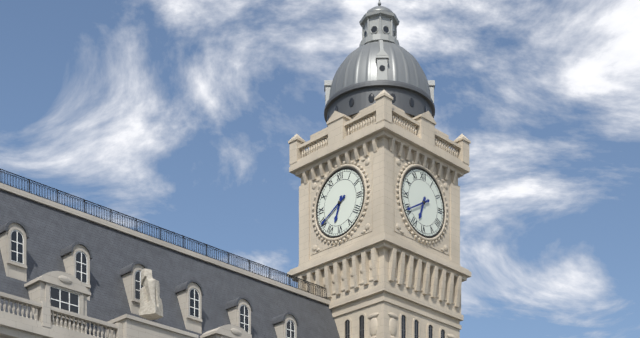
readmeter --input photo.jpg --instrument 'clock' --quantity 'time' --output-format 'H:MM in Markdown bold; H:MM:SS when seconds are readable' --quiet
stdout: **6:40**
